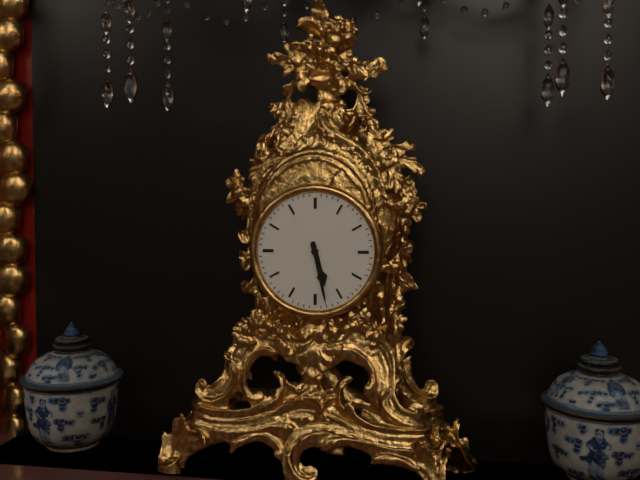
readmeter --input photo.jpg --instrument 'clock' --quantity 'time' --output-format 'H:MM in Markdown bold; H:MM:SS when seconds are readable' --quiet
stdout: **5:28**
